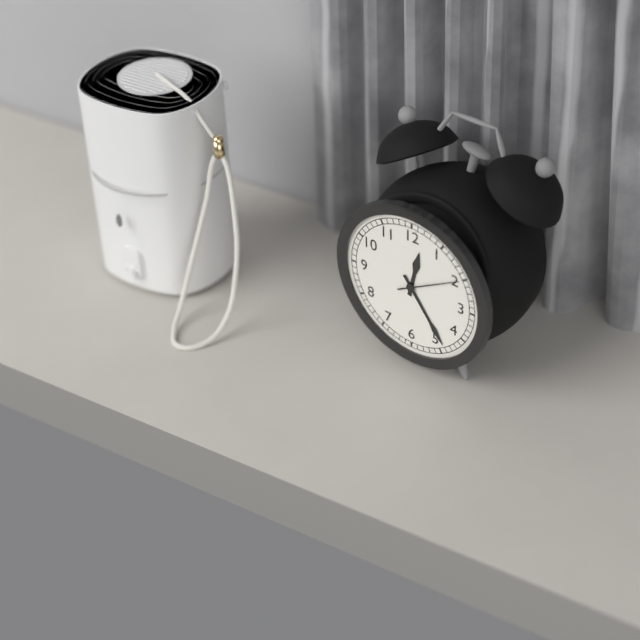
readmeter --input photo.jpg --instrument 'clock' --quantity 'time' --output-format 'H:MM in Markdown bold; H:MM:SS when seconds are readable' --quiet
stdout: **12:24:10**
